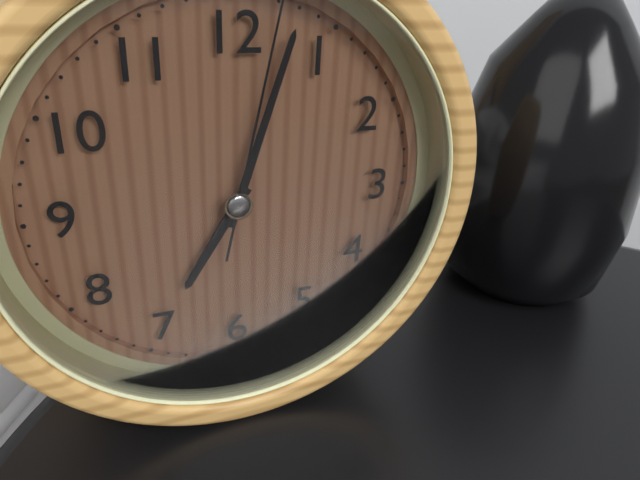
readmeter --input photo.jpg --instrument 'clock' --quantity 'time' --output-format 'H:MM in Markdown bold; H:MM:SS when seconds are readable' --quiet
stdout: **7:03**
